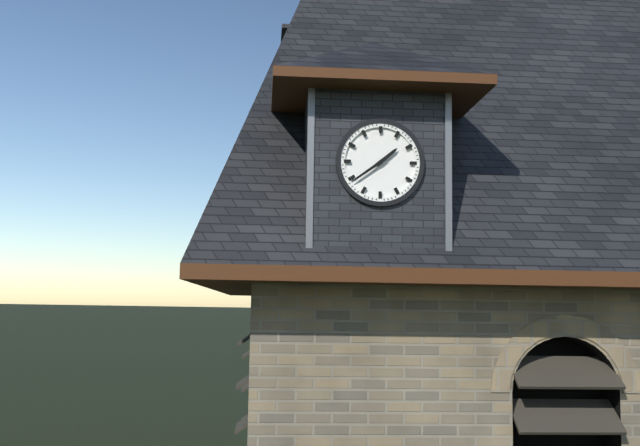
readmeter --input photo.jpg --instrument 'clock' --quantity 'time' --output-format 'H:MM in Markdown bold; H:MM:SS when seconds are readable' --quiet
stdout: **1:39**
